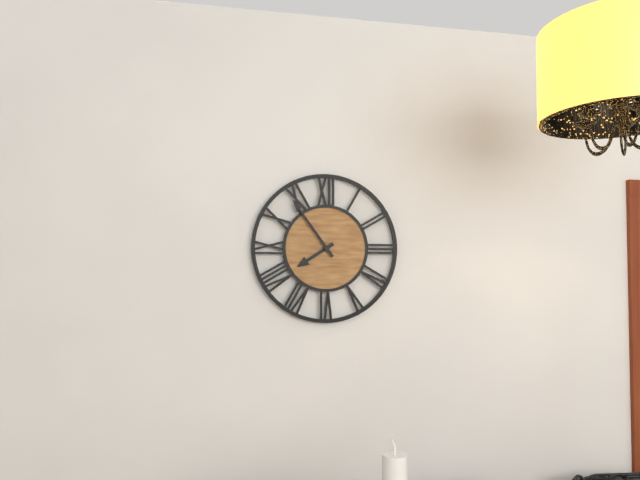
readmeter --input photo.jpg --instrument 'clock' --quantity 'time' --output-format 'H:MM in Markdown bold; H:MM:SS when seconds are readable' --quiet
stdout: **7:54**
